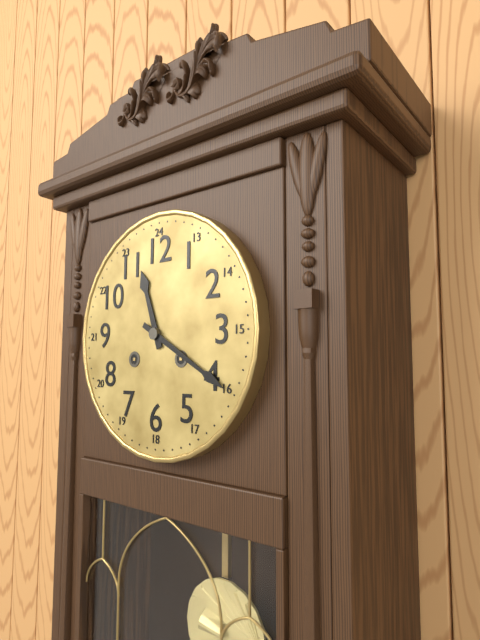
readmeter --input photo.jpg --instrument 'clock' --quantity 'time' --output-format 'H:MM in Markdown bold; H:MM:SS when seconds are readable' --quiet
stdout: **11:20**
